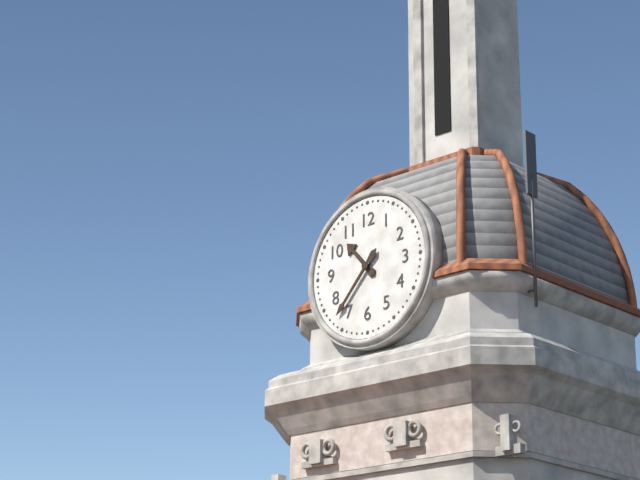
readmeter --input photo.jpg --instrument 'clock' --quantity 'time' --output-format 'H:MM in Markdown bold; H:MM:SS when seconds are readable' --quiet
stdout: **10:37**
